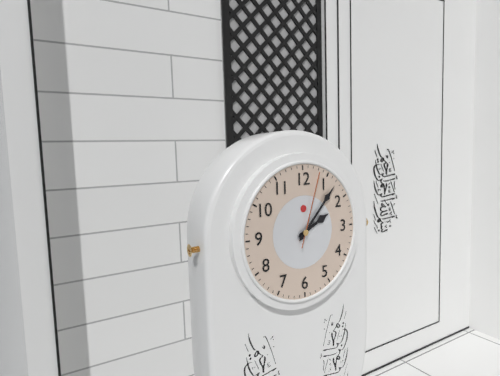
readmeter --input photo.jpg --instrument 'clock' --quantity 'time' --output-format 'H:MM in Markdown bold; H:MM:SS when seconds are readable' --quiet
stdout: **2:07:03**
